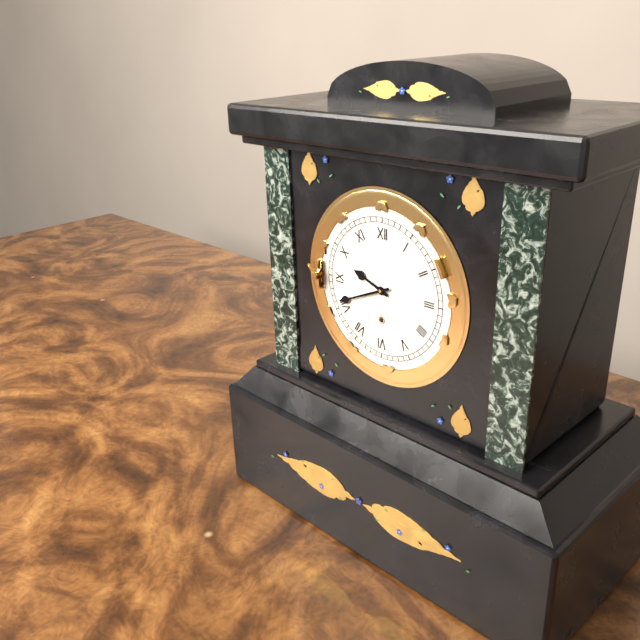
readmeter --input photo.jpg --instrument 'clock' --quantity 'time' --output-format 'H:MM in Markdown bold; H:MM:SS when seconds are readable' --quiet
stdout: **9:41**
